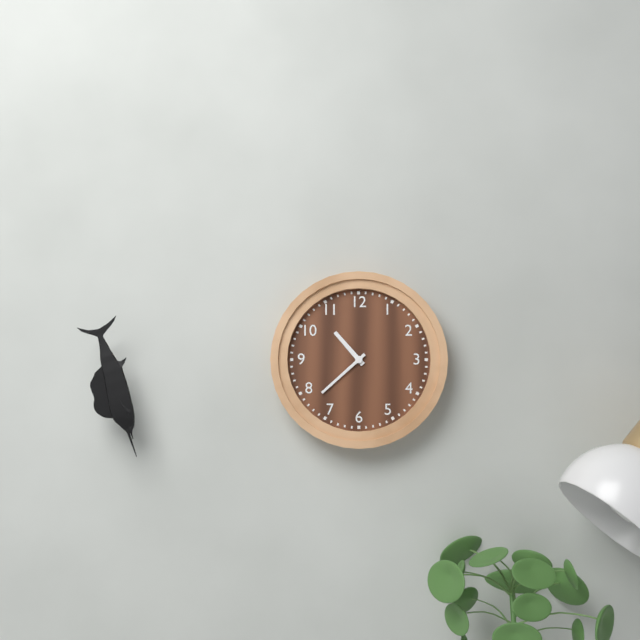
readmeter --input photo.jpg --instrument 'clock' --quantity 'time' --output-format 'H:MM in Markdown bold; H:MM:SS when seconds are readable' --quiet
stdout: **10:38**
